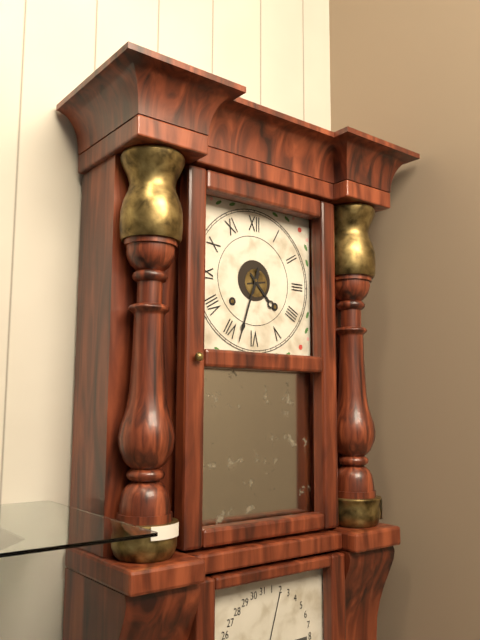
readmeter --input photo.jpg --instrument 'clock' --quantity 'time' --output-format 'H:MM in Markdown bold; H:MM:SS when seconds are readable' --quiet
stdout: **4:33**
